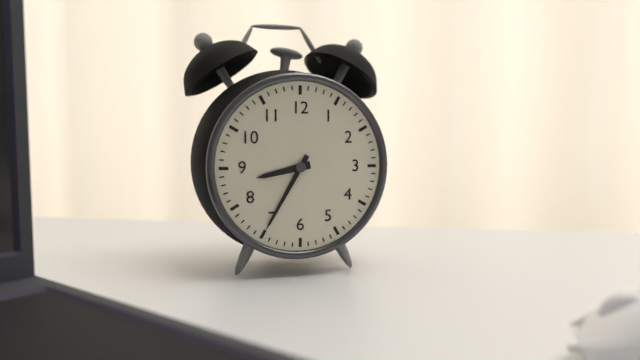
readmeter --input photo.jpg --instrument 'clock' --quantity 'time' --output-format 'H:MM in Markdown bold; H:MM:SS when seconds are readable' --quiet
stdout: **8:35**
